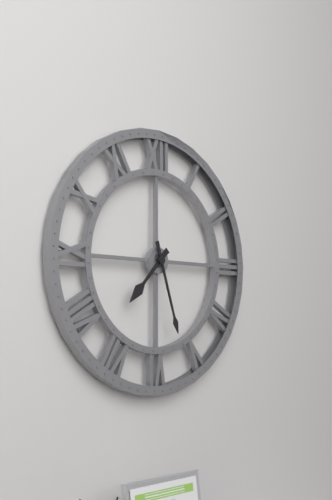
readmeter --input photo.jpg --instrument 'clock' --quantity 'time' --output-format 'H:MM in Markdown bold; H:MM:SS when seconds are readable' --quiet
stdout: **7:27**
